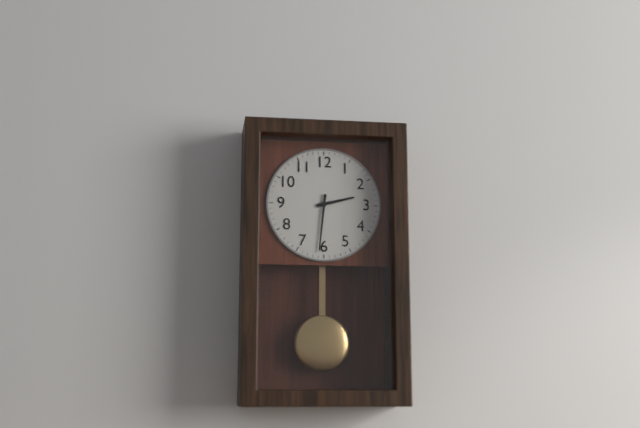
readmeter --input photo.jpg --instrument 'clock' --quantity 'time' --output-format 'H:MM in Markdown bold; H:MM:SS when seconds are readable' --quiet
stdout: **2:31**
